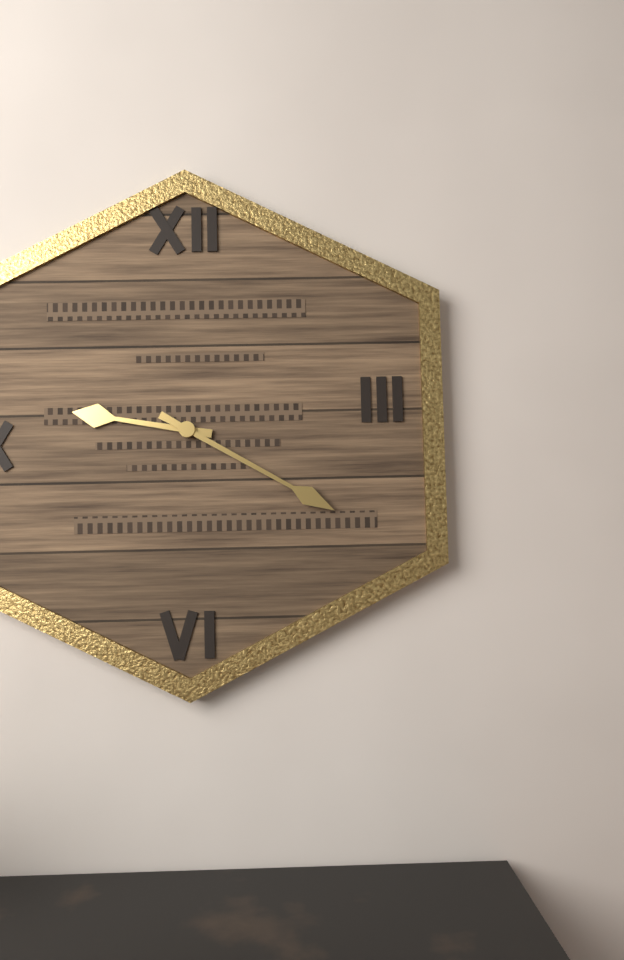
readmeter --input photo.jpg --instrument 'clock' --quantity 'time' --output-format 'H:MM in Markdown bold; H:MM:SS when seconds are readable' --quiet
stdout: **9:20**
